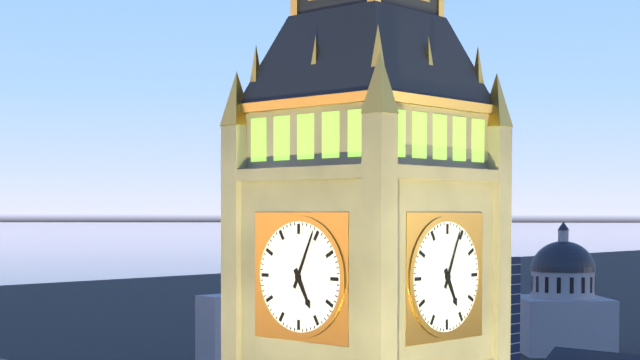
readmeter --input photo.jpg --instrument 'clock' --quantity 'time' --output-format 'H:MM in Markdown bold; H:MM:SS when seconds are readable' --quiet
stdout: **5:04**
